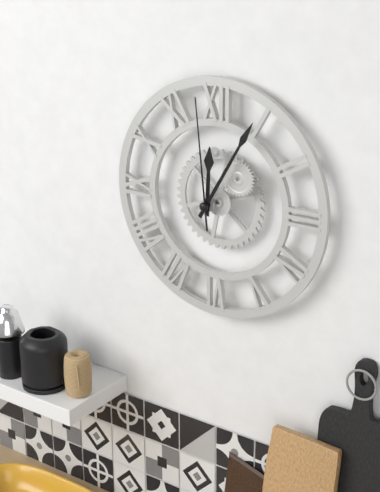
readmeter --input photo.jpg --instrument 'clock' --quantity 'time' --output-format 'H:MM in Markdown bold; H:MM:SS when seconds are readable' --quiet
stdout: **12:05:59**
